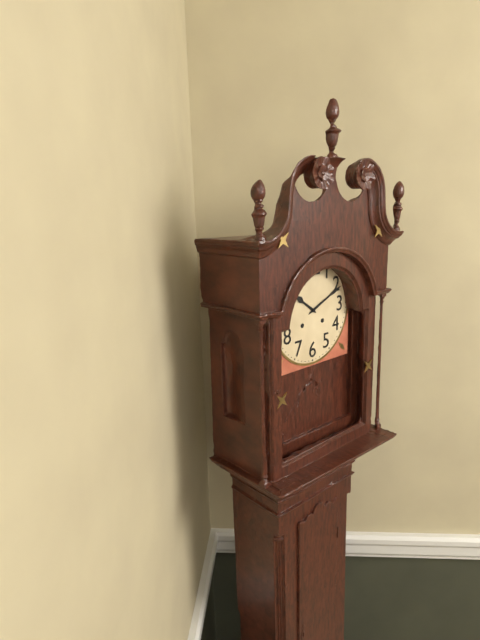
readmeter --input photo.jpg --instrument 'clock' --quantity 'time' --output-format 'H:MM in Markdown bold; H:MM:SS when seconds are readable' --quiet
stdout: **10:11**
